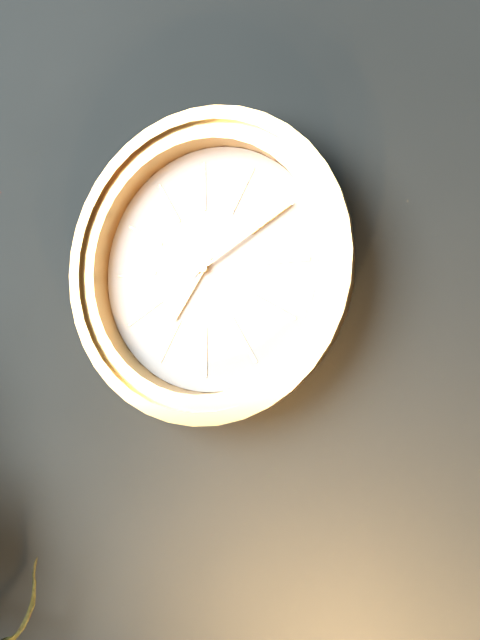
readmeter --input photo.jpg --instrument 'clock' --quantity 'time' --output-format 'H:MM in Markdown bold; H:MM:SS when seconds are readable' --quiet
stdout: **7:10**
